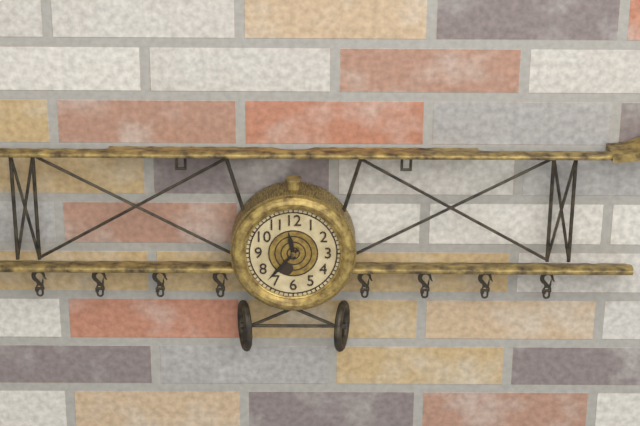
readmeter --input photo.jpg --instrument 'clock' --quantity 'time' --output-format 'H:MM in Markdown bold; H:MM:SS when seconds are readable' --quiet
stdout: **11:37**
